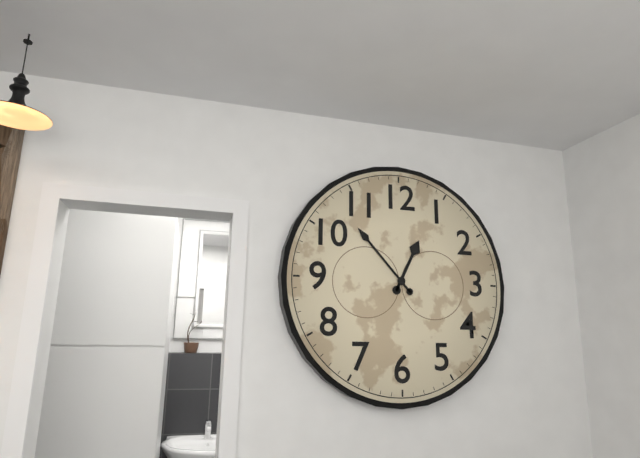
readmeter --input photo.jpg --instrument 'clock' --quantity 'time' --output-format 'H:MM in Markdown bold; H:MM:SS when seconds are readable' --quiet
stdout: **12:53**
